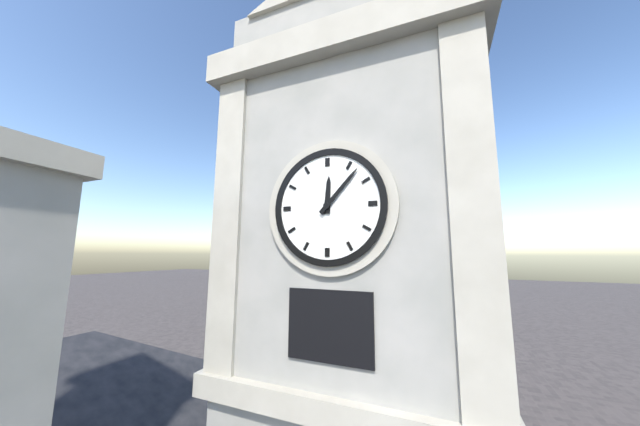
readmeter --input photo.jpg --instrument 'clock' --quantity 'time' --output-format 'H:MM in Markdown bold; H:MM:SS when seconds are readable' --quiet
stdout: **12:07**
